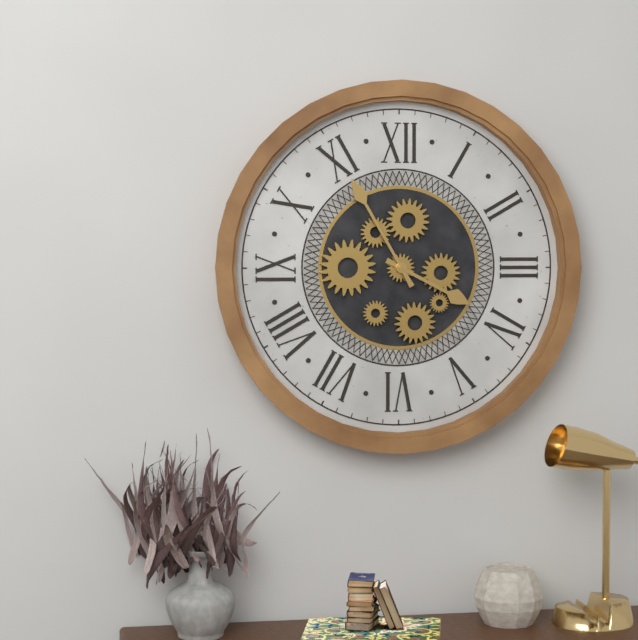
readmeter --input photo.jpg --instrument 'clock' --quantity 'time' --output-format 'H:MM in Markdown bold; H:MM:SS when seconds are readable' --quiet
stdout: **3:55**
